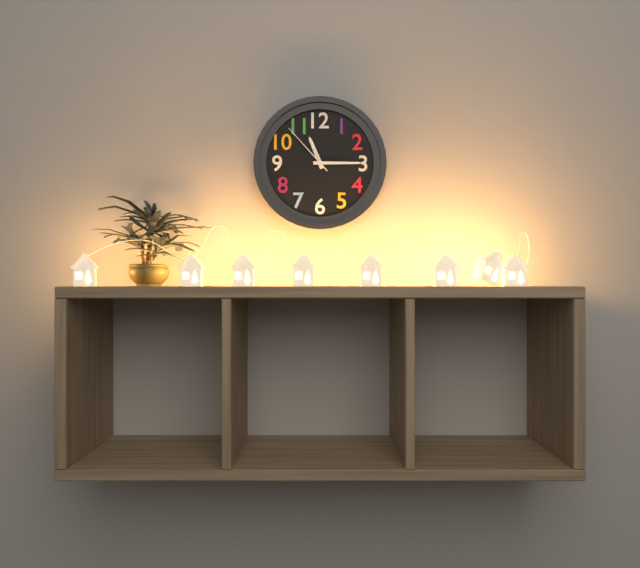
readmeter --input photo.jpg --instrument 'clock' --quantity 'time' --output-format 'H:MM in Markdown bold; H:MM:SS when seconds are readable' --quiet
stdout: **11:15:53**
